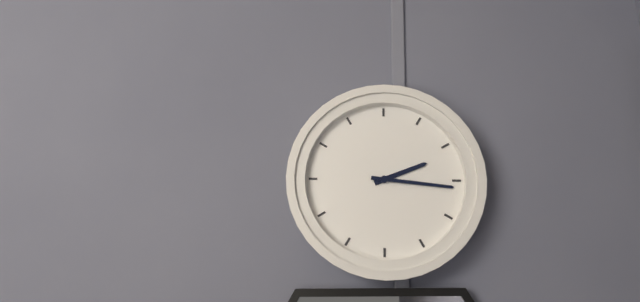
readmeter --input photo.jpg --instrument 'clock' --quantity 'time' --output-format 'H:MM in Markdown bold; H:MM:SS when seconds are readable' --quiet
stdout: **2:16**
